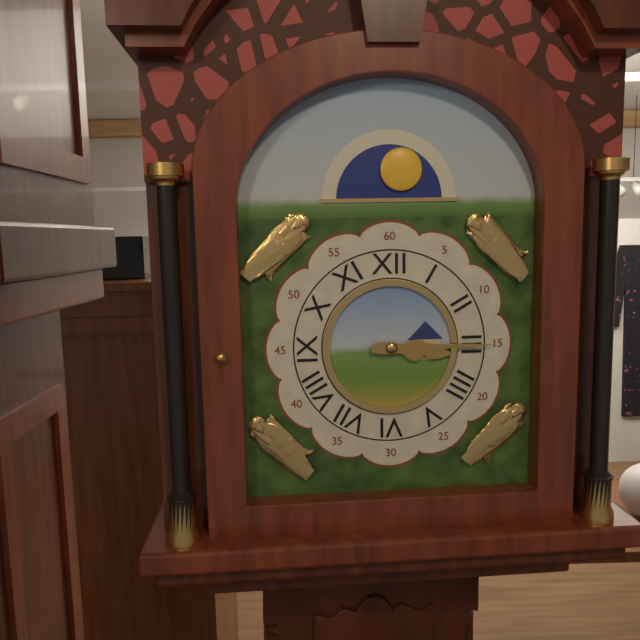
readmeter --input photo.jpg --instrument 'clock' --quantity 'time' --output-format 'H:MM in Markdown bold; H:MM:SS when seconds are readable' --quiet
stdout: **3:15**
